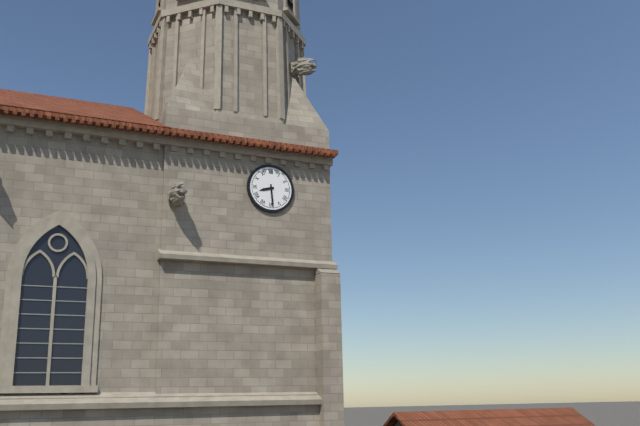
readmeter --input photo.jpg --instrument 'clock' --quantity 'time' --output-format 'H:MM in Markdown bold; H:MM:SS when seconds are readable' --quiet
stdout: **8:29**
